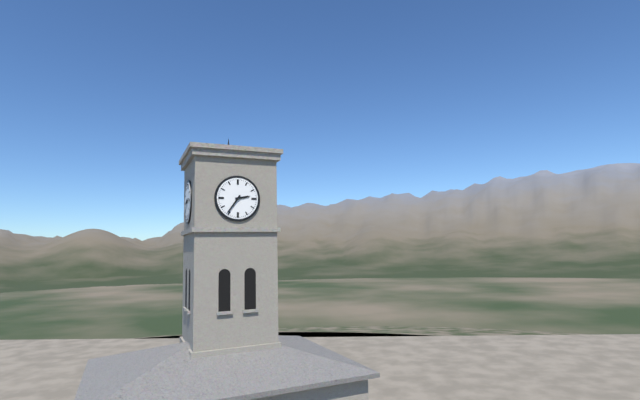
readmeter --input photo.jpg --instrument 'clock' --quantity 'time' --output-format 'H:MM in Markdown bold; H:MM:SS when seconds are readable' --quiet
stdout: **2:36**
